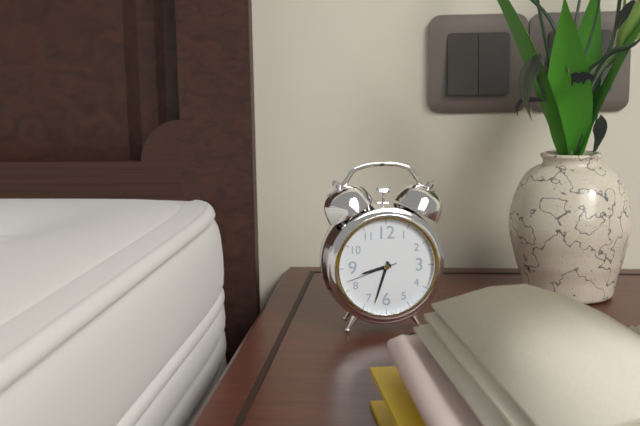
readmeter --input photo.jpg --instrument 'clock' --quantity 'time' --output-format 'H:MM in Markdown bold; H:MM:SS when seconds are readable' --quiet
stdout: **8:33:42**
